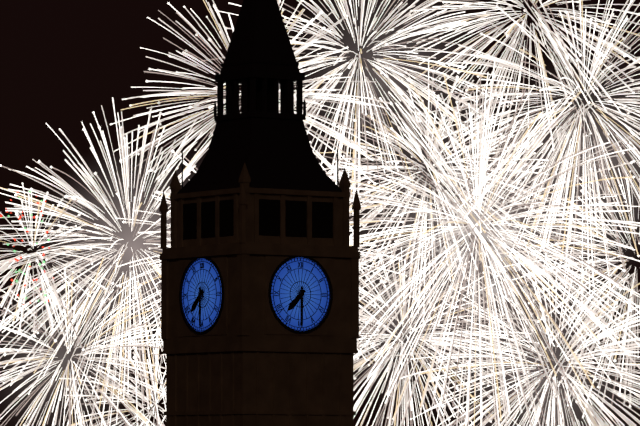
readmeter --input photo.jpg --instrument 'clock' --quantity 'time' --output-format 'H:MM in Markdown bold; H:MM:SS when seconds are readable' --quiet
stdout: **7:30**
